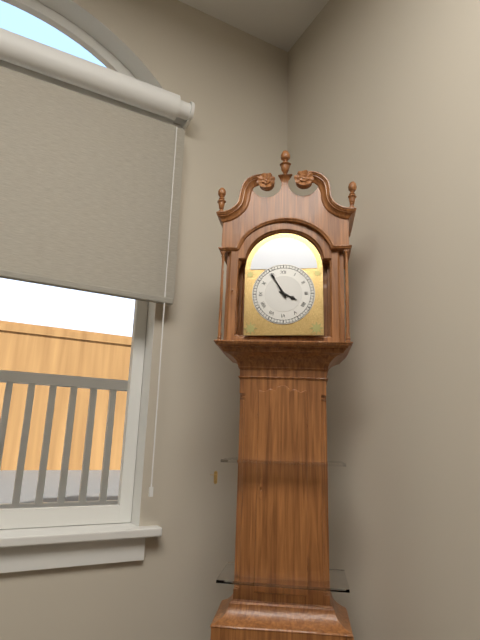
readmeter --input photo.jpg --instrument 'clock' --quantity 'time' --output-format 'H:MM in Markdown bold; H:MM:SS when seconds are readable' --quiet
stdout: **3:55**
